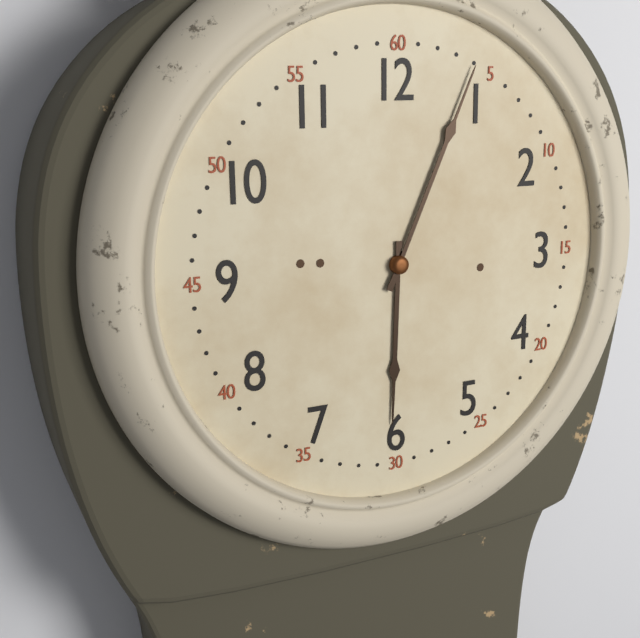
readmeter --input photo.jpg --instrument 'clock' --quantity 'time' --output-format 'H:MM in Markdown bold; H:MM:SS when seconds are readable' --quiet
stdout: **6:04**
